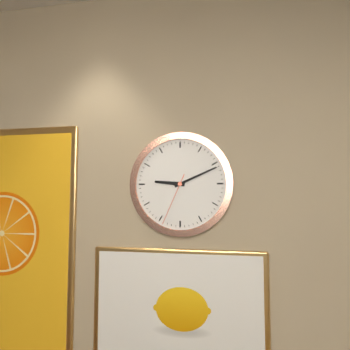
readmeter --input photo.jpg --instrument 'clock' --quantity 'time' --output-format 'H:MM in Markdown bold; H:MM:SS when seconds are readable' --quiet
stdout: **9:11:34**
